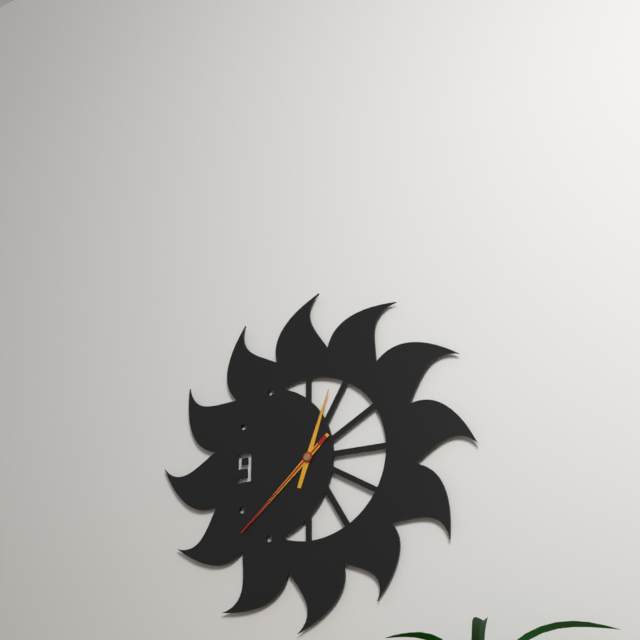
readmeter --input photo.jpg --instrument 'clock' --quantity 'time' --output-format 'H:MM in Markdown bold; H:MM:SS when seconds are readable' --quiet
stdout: **12:38:38**
